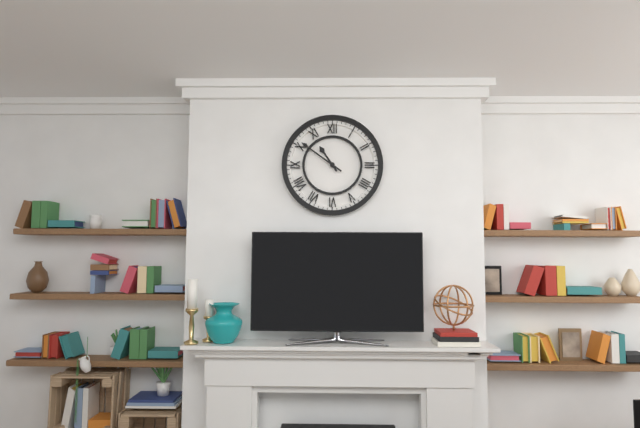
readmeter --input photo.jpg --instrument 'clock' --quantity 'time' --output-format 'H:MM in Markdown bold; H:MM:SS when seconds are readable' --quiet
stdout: **10:51**
